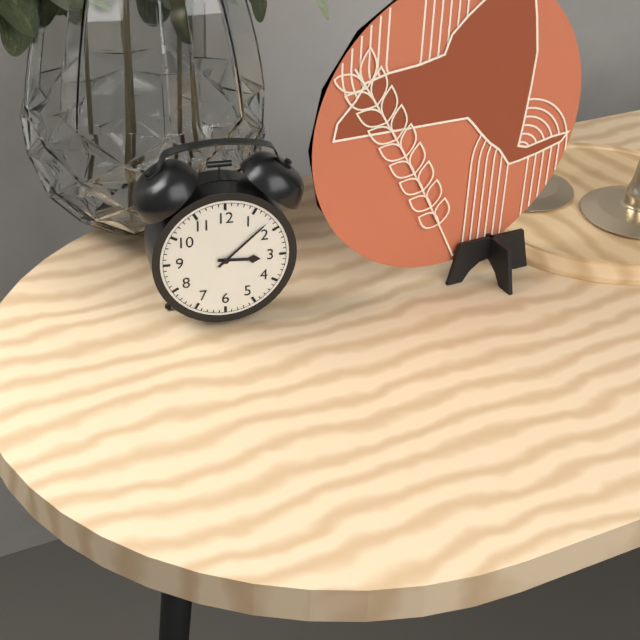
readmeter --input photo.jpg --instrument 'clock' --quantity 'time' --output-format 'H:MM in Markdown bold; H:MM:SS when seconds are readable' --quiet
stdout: **3:08**
